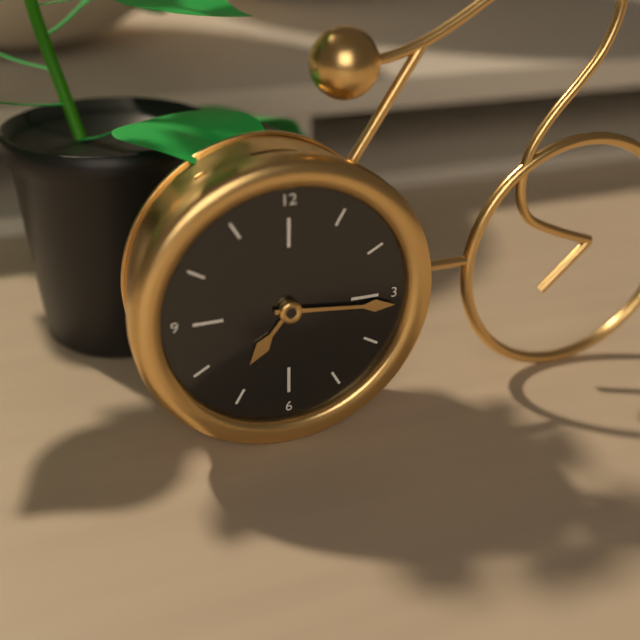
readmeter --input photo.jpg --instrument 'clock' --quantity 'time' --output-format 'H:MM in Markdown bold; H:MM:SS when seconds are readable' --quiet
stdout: **7:16**
